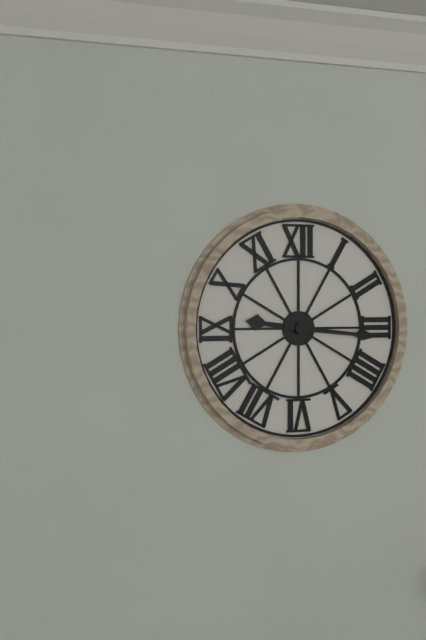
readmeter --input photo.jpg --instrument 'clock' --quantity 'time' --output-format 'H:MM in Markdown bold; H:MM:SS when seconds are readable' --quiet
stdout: **9:16**
